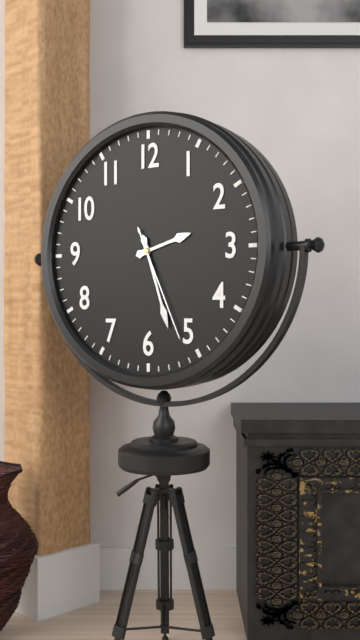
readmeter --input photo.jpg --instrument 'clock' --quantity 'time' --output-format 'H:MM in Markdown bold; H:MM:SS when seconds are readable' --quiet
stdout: **2:27:26**
